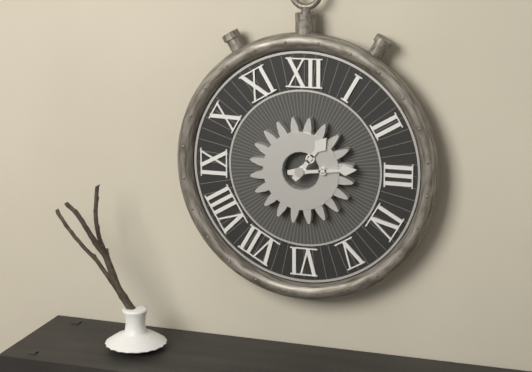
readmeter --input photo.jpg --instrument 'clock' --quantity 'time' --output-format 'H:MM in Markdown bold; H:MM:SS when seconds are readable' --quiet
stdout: **1:14**
